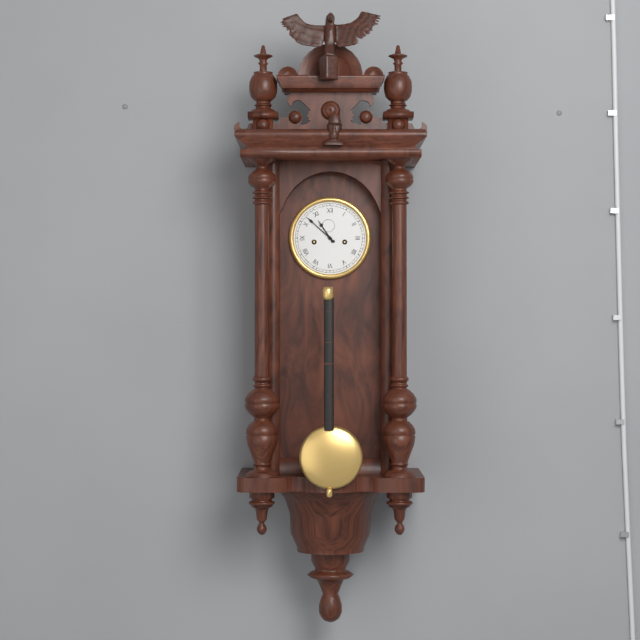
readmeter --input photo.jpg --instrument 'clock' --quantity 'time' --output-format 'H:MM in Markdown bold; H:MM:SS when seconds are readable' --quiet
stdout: **10:52**
